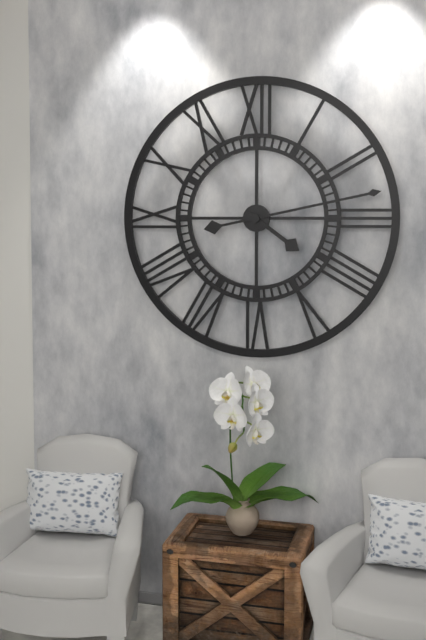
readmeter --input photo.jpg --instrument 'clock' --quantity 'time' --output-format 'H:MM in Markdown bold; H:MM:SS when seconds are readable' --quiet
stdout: **4:13**
